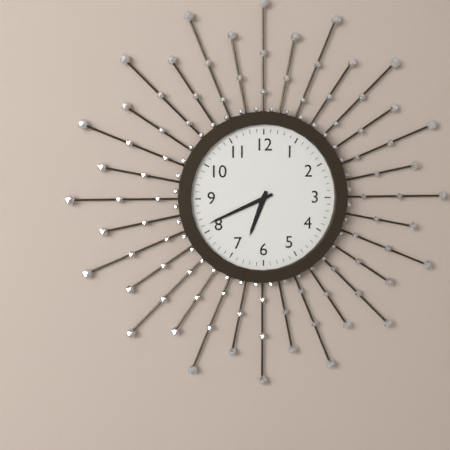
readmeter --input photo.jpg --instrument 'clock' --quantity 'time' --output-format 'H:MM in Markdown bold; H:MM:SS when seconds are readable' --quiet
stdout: **6:41**
